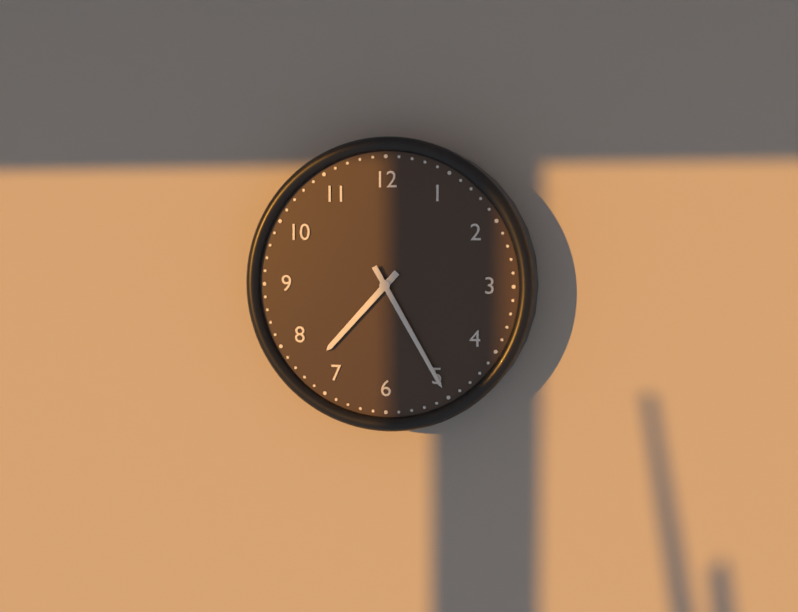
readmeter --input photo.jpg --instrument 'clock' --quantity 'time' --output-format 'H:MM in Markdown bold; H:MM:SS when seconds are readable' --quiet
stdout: **7:25**
